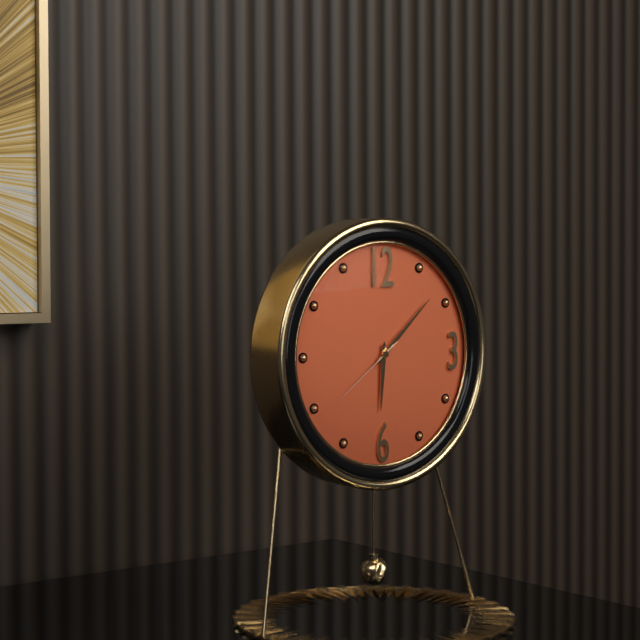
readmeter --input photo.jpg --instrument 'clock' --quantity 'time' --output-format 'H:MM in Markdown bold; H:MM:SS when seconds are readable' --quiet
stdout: **6:08:39**
